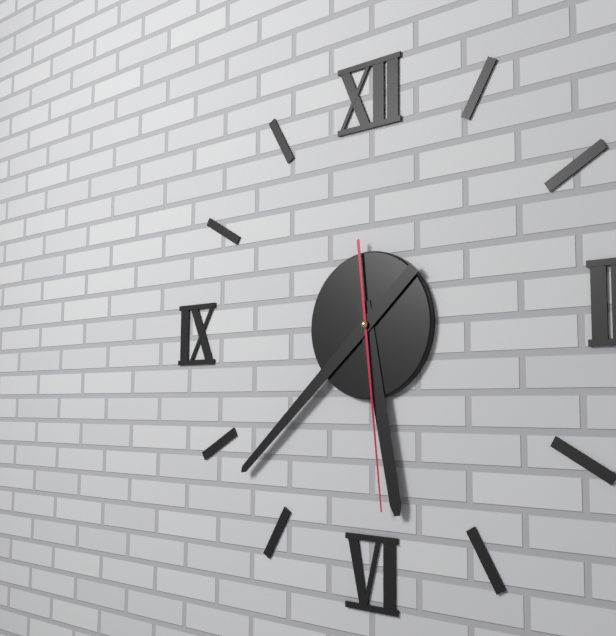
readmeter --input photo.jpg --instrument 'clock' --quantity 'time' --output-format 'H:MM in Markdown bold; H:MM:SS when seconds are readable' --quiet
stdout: **5:38:29**
